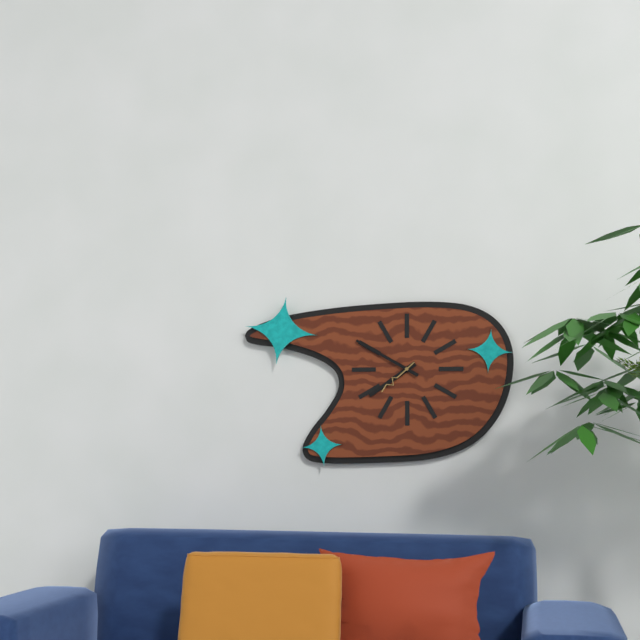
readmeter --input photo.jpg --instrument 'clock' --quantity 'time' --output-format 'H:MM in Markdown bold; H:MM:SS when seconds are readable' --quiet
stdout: **7:50**
